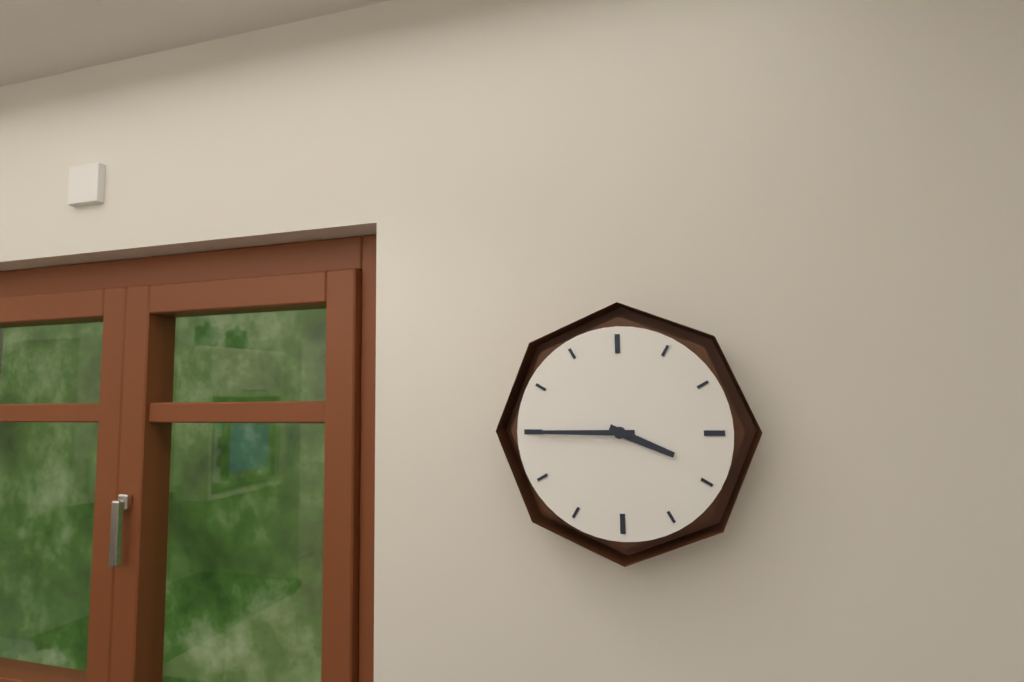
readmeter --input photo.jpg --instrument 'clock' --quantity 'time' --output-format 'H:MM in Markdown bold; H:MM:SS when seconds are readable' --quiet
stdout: **3:45**
